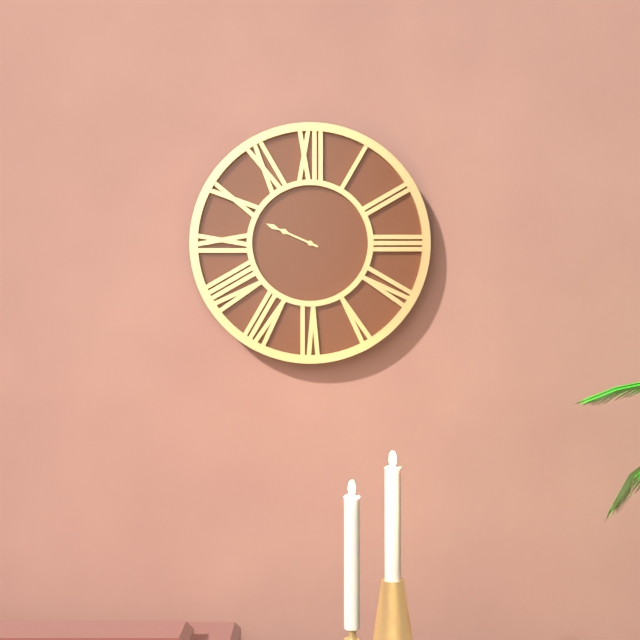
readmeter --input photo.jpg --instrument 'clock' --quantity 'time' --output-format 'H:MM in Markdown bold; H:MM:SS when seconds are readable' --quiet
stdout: **9:49**
